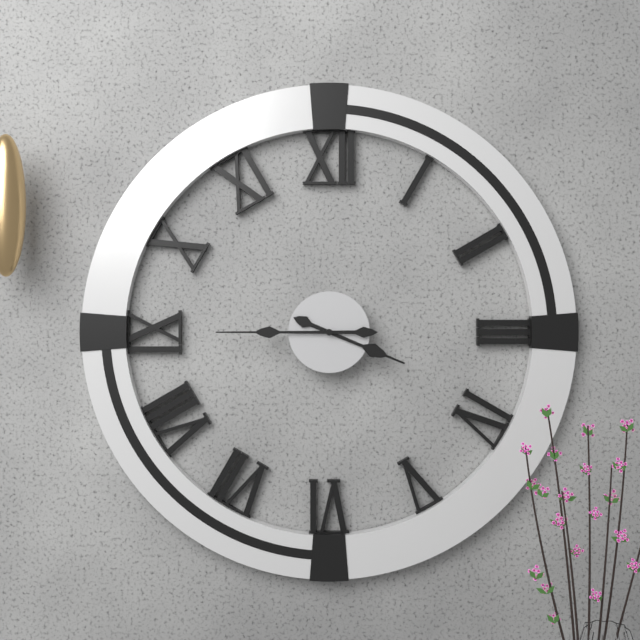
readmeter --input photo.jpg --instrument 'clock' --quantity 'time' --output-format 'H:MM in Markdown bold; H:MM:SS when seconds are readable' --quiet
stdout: **3:45**
